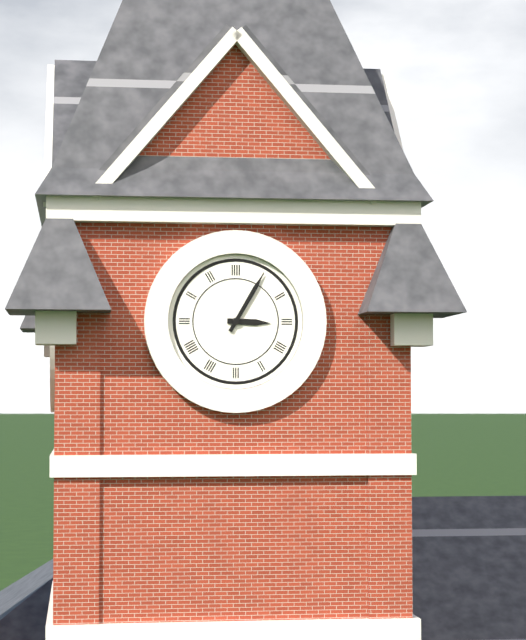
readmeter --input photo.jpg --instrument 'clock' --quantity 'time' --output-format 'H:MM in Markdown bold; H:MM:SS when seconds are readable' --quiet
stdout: **3:05**
